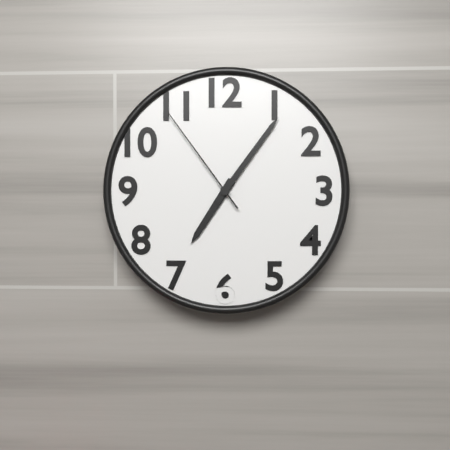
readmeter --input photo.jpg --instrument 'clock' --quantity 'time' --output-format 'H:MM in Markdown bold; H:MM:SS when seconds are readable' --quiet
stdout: **7:06:54**
